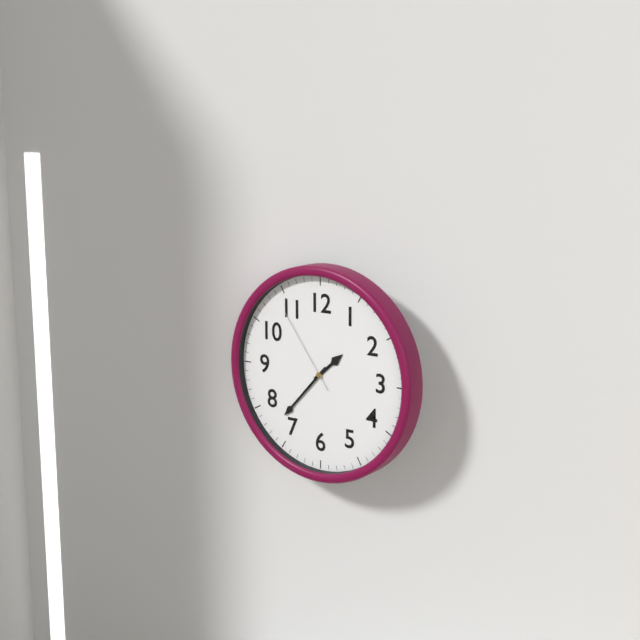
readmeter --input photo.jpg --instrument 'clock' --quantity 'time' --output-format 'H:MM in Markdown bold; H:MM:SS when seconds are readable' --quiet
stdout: **1:37:54**
